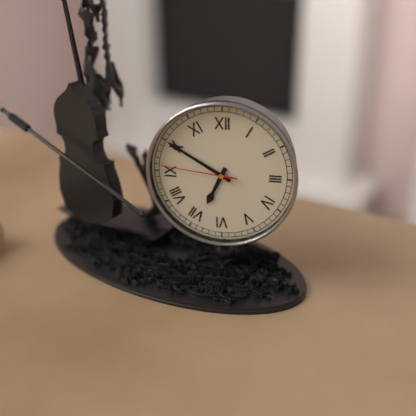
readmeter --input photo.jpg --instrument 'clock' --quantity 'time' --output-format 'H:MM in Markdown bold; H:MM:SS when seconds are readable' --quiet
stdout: **6:50:46**
